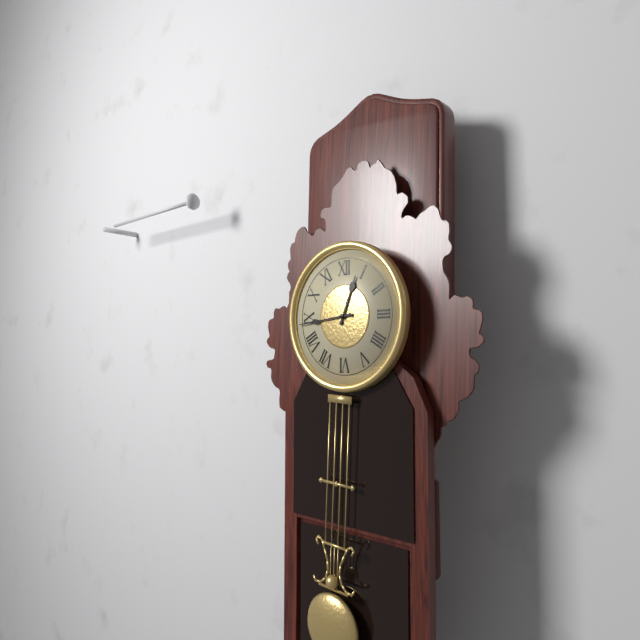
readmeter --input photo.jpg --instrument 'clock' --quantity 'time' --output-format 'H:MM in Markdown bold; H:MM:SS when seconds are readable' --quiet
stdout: **12:44**
